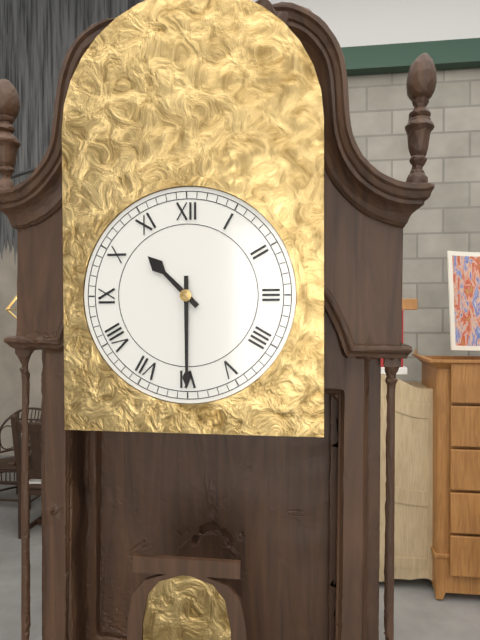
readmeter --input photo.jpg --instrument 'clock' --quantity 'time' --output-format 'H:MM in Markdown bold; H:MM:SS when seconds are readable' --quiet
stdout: **10:30**
